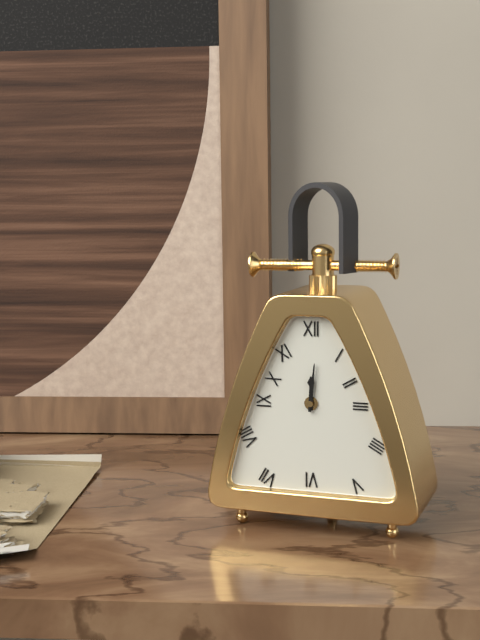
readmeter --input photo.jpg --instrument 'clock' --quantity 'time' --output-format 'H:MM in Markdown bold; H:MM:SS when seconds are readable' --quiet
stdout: **12:01**
